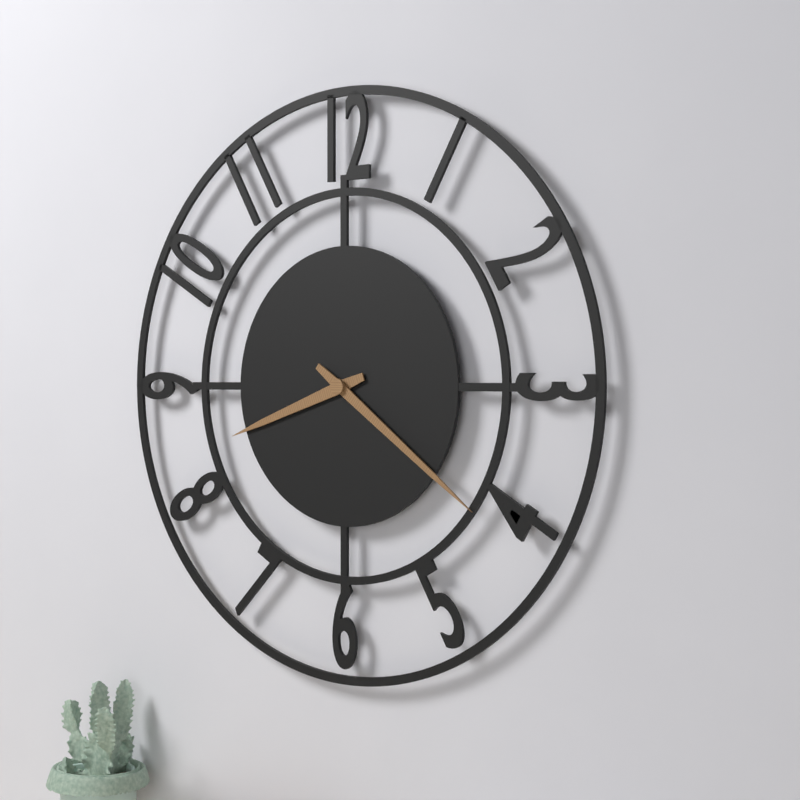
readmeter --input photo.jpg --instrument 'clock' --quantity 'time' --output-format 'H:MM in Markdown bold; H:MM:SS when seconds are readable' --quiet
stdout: **8:21**
